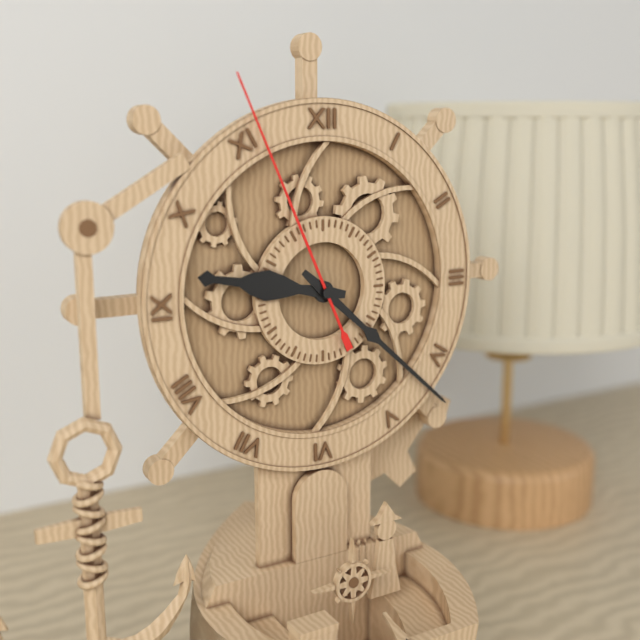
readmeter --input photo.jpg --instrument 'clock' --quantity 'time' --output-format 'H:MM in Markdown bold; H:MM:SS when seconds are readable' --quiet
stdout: **9:22:56**
